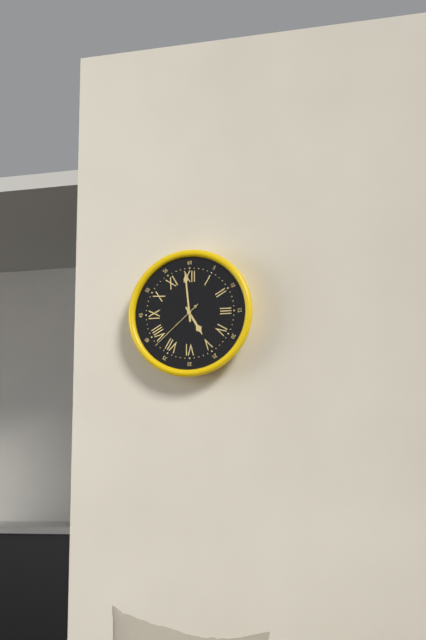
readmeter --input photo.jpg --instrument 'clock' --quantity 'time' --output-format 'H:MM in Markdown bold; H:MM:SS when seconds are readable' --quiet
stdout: **4:59:38**
